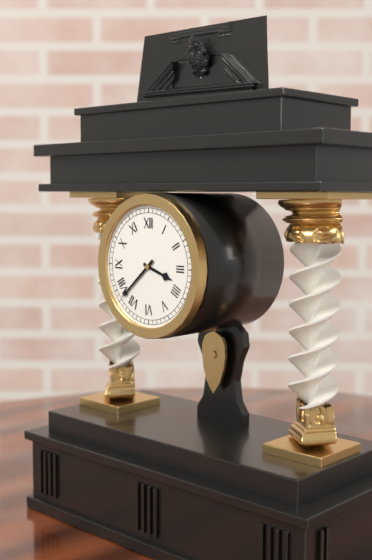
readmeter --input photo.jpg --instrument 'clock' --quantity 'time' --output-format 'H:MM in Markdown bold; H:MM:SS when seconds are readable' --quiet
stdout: **3:38**
